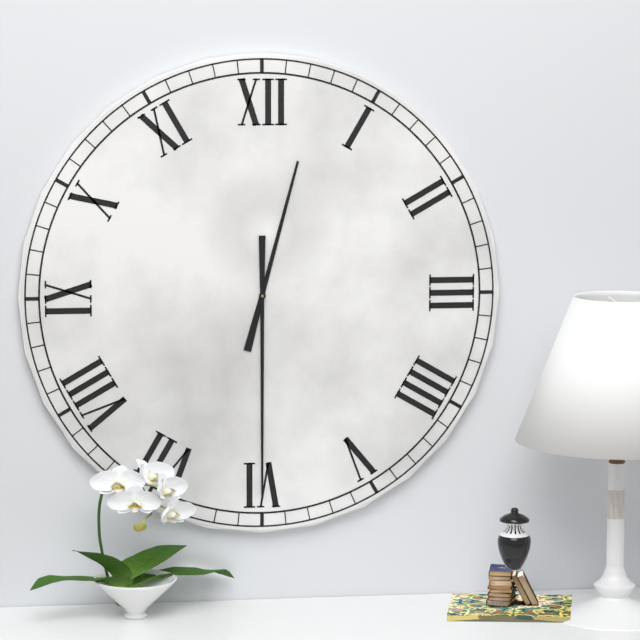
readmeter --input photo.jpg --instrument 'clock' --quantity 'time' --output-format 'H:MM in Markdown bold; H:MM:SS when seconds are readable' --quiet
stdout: **12:30**
